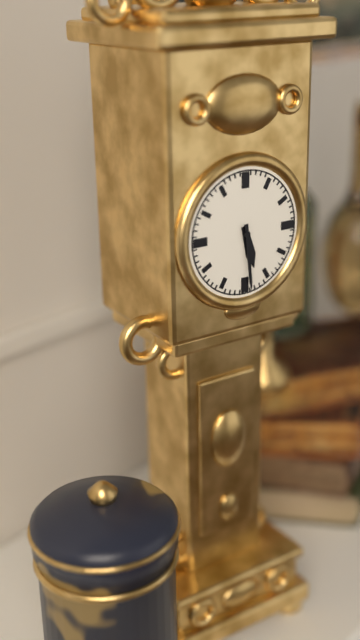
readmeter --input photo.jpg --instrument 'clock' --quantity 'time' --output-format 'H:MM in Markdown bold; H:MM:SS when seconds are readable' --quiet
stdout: **5:29**
